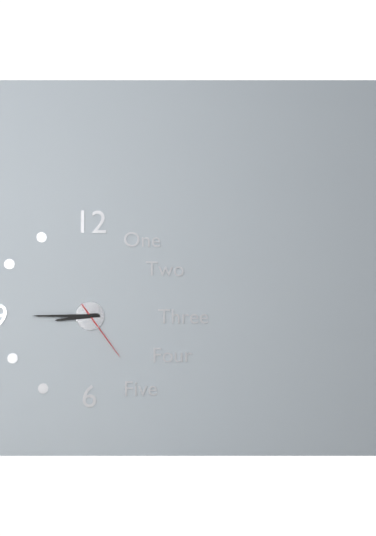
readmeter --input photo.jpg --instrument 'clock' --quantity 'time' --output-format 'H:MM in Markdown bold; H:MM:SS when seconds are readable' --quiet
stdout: **8:45:24**
